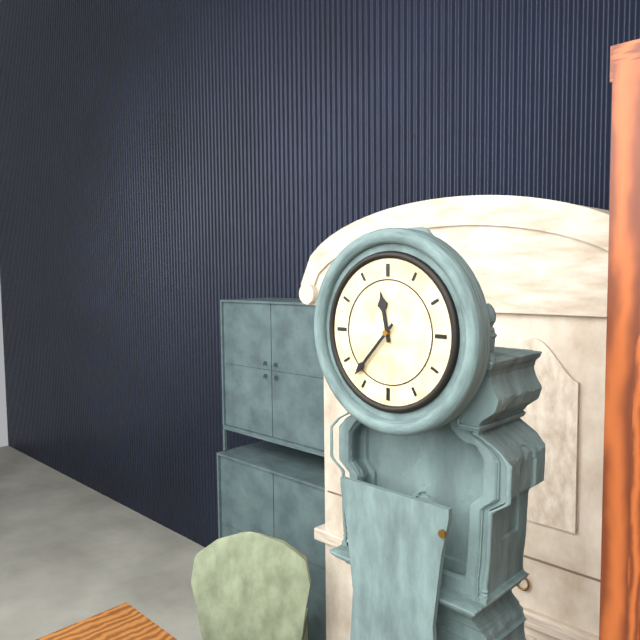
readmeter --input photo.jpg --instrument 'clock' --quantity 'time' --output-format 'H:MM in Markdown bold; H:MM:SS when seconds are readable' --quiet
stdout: **11:37**
